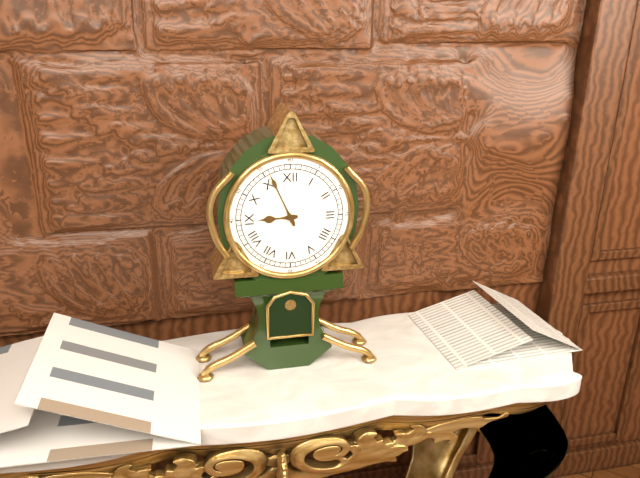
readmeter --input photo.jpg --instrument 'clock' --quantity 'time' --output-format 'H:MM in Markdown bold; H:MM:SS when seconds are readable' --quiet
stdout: **8:56**
